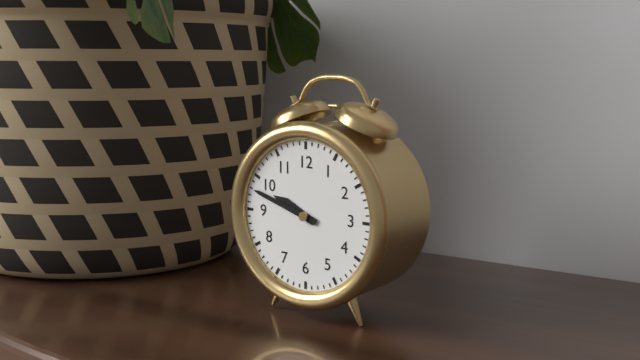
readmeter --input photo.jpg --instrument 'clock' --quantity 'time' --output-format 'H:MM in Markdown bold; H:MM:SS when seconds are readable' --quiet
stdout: **9:48**
